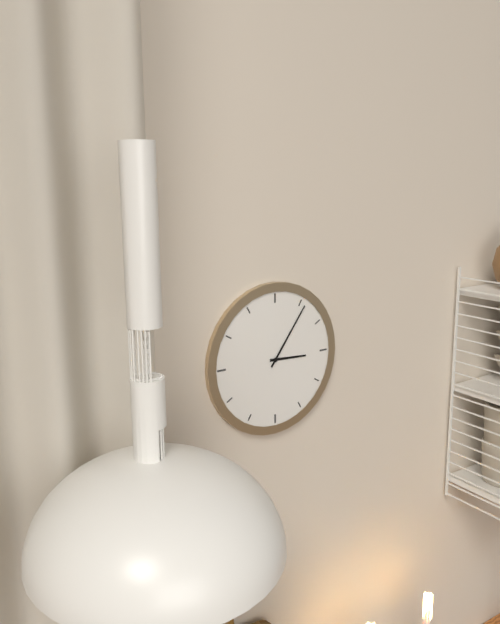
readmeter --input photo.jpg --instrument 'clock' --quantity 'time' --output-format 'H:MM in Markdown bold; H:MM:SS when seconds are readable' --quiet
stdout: **3:06**
